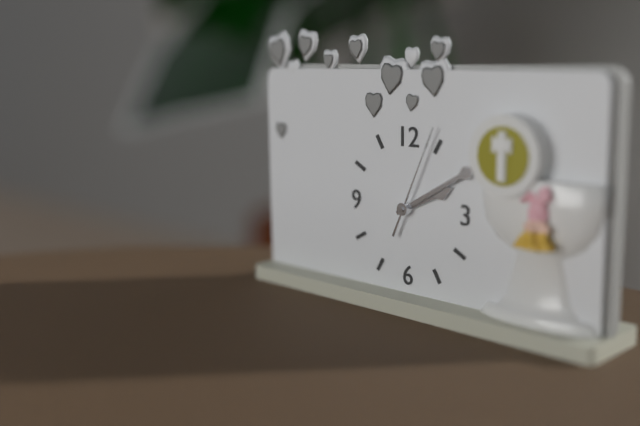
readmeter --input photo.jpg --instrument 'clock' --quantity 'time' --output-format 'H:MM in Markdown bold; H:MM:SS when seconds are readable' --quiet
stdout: **2:10:04**
